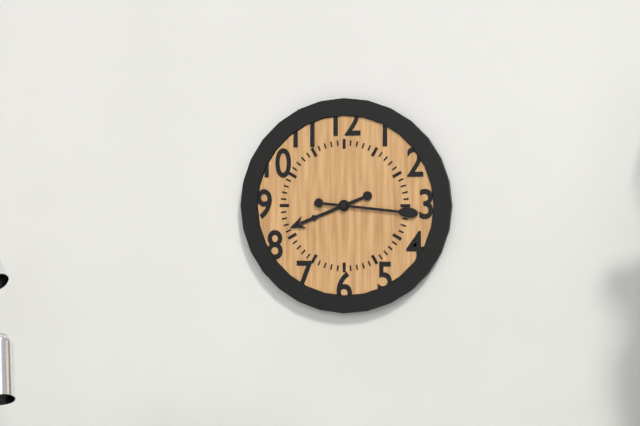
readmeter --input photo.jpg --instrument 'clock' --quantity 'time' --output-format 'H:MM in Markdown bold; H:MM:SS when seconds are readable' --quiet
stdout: **8:16**
